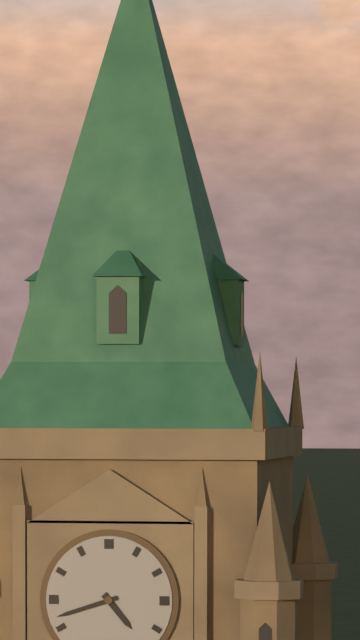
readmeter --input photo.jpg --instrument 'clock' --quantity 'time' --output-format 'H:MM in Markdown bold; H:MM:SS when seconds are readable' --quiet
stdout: **4:42**
